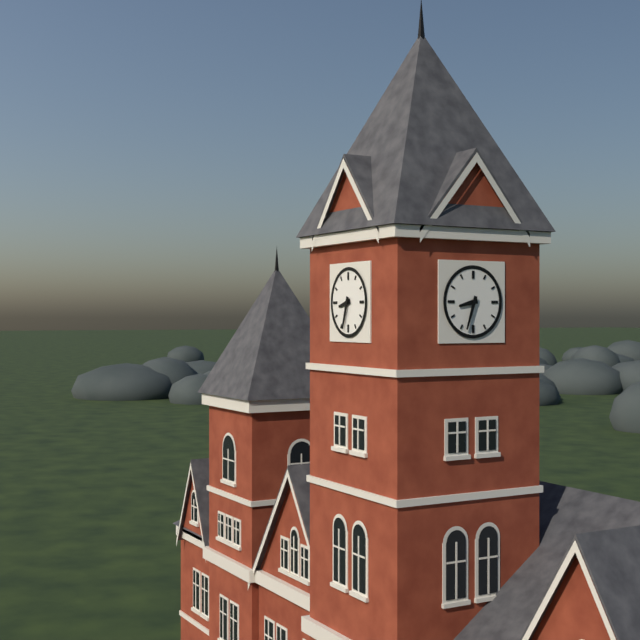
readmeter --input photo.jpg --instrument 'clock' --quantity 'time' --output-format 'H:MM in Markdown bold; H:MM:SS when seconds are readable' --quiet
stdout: **8:33**
